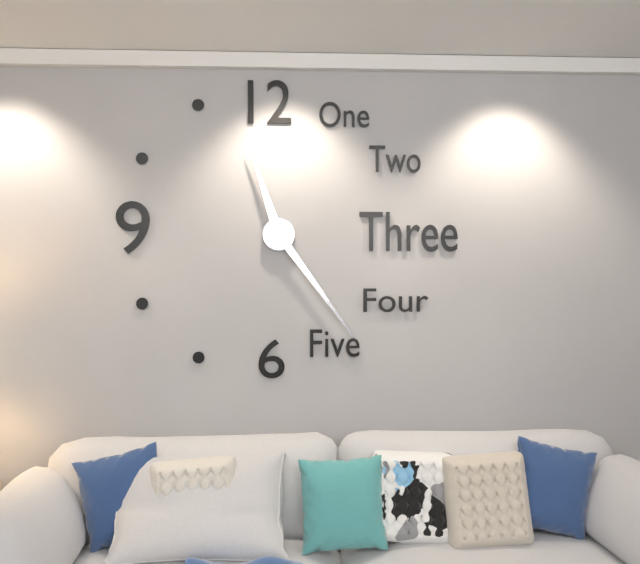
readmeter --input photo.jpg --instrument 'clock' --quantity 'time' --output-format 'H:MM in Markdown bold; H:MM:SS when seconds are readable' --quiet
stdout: **11:24**
